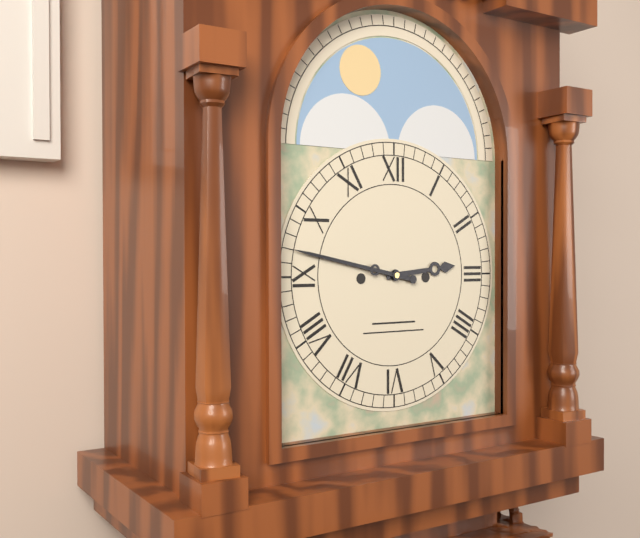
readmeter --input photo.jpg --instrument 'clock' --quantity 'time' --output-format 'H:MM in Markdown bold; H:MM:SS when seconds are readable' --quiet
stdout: **2:47**
